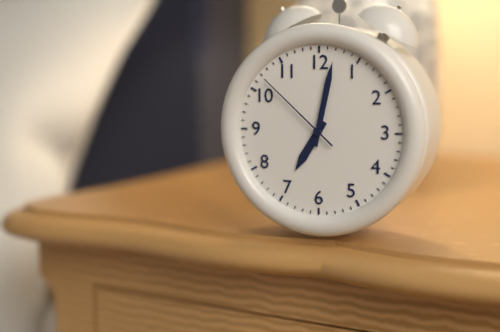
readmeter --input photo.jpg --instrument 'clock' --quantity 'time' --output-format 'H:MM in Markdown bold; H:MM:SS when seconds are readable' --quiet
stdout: **7:02:52**
